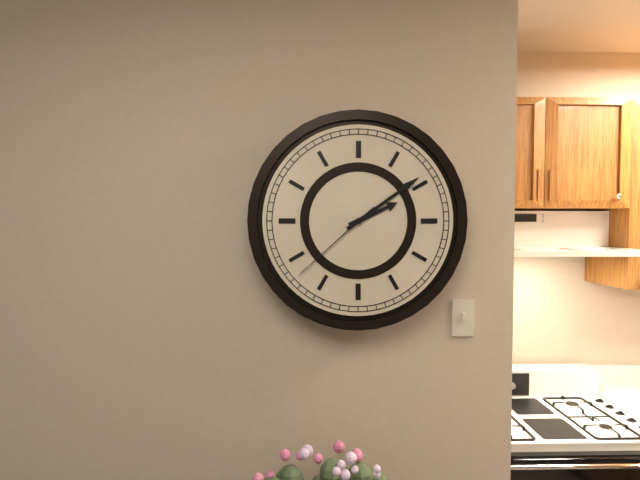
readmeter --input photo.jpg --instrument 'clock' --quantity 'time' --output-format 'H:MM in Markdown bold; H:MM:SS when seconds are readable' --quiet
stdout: **2:09:38**
